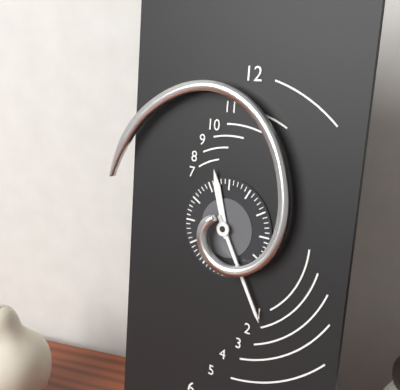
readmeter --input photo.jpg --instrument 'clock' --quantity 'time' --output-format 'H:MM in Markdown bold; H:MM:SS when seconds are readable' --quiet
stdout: **11:25**
